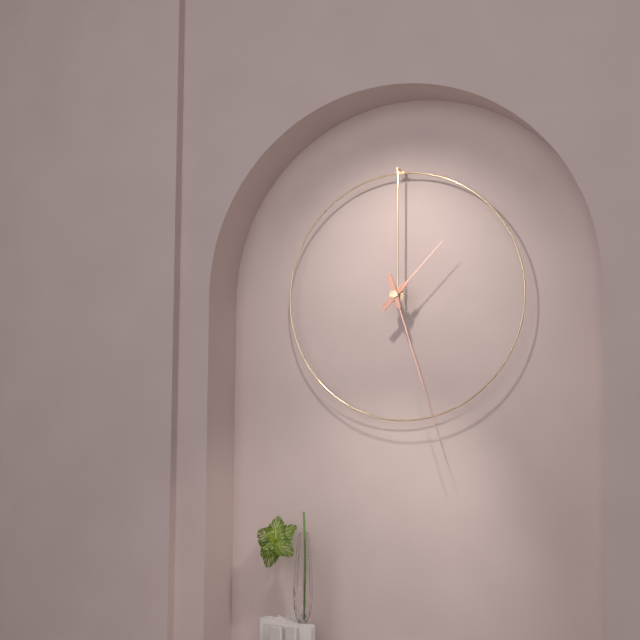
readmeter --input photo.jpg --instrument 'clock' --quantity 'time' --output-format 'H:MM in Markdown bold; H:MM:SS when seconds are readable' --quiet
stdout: **1:27**
